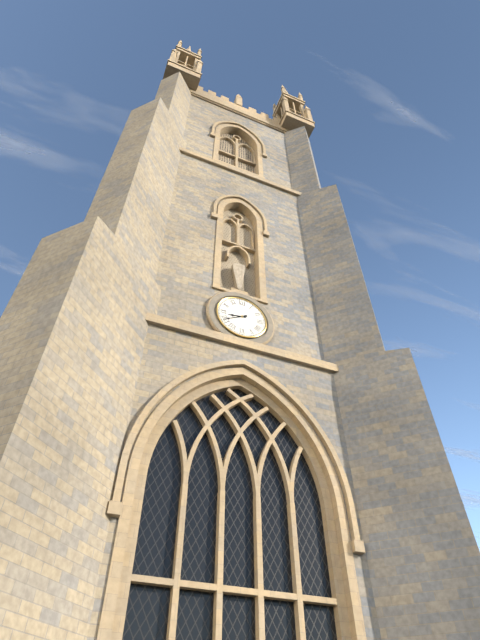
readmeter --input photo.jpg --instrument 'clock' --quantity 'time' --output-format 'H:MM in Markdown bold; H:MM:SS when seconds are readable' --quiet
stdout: **8:40**
